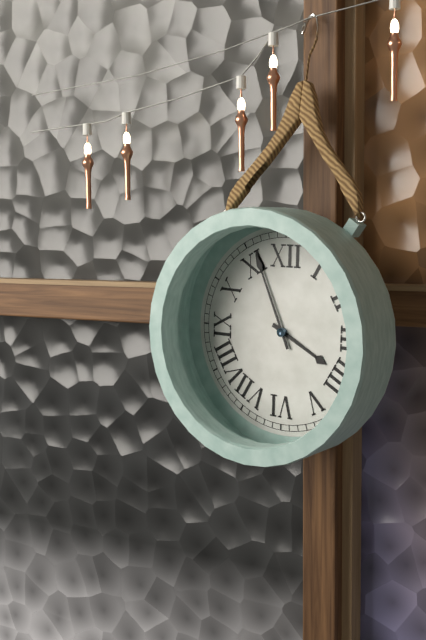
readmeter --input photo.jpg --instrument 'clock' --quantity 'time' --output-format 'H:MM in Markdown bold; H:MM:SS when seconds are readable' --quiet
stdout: **3:56**
